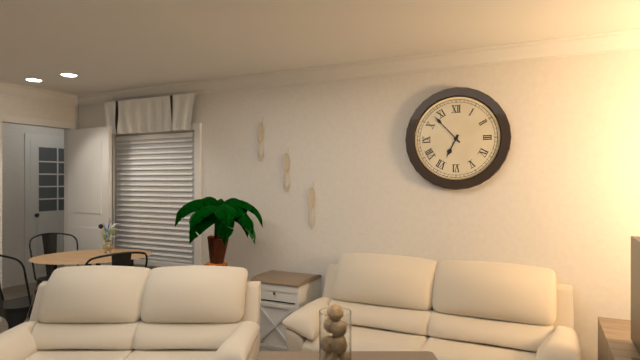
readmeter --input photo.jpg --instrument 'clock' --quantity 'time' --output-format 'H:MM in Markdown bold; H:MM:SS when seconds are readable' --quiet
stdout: **6:53**
